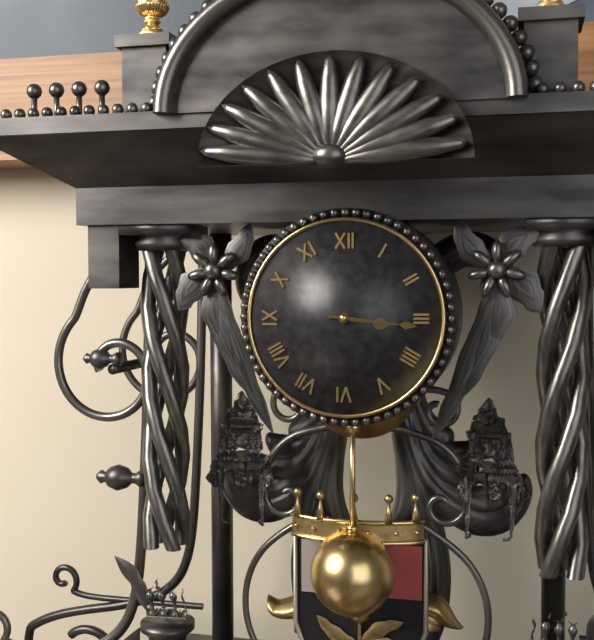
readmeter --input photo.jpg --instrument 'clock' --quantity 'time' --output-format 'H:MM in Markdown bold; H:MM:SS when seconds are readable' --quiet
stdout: **3:16**
